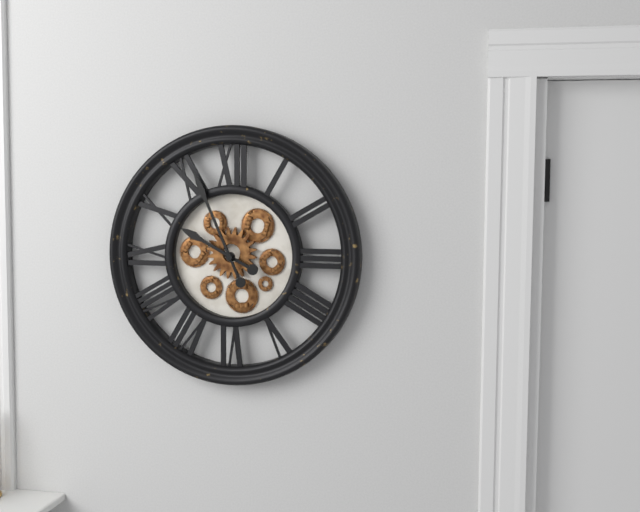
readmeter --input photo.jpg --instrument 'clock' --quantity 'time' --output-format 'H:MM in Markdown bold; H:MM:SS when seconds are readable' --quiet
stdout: **9:56**
